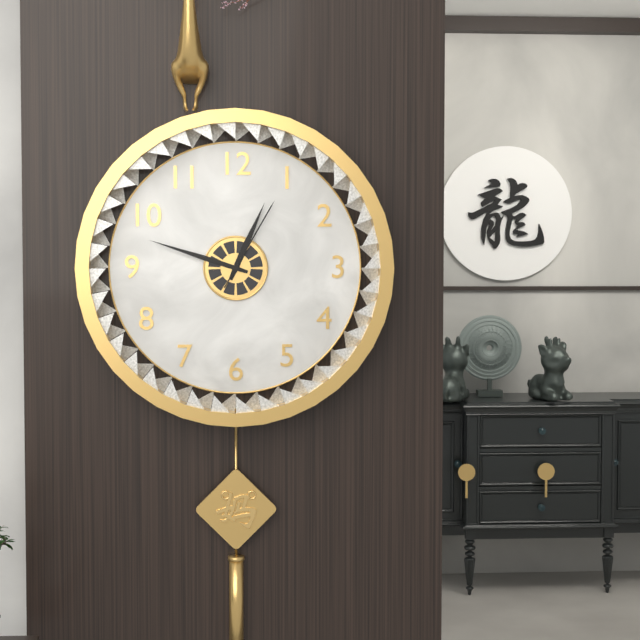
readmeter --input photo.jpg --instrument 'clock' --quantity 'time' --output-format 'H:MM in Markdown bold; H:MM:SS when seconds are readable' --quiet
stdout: **12:48:05**
